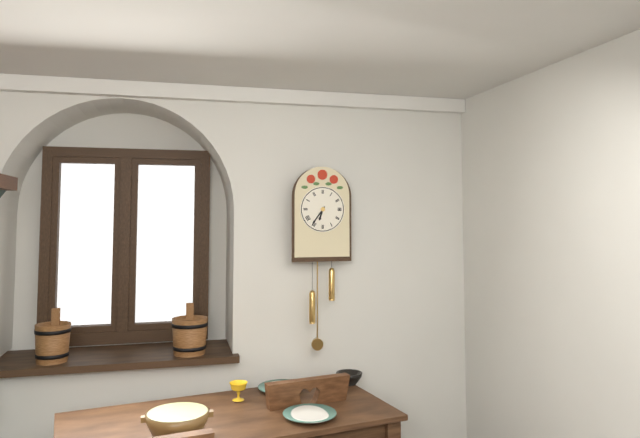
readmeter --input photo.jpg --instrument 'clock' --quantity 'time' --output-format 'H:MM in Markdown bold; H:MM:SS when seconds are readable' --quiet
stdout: **6:36**
